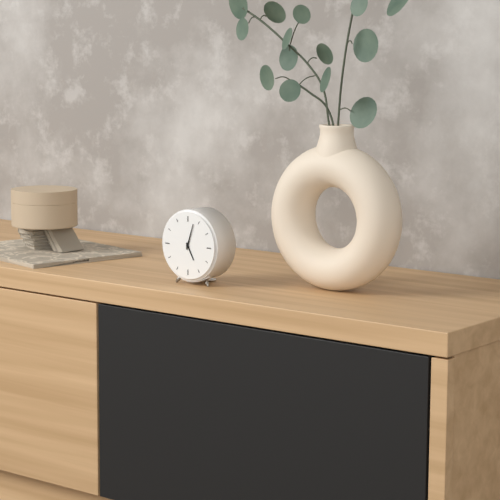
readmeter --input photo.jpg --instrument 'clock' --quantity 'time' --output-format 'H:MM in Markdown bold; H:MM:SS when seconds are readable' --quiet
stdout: **5:03**
